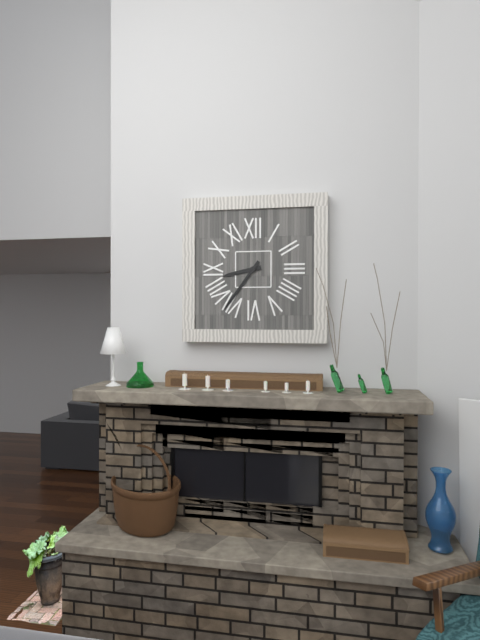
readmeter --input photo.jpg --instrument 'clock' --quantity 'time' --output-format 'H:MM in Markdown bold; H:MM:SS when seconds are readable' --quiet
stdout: **8:36**
